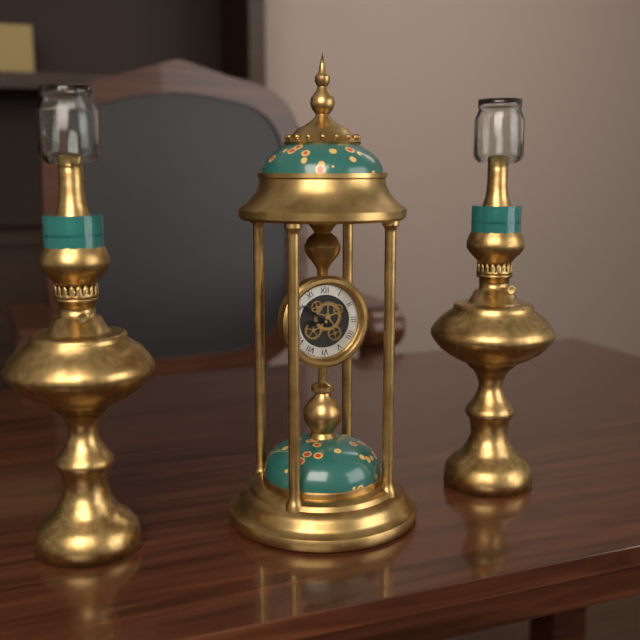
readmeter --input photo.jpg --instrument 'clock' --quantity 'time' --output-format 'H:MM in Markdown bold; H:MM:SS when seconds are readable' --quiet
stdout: **8:51**
